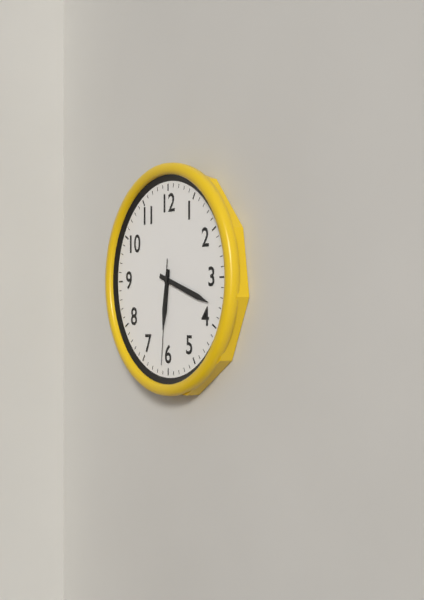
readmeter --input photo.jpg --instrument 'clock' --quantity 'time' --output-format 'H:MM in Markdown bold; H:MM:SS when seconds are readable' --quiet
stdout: **6:18:31**
